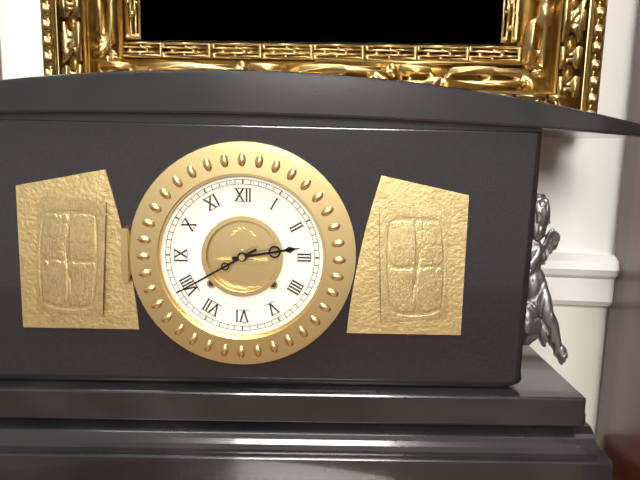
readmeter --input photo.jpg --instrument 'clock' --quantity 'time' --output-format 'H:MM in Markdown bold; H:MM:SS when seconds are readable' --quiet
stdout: **2:40**
